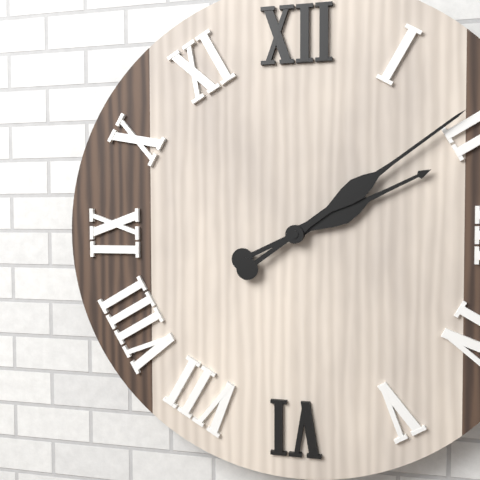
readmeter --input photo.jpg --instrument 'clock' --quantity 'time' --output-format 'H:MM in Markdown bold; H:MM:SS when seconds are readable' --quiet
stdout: **2:09**
